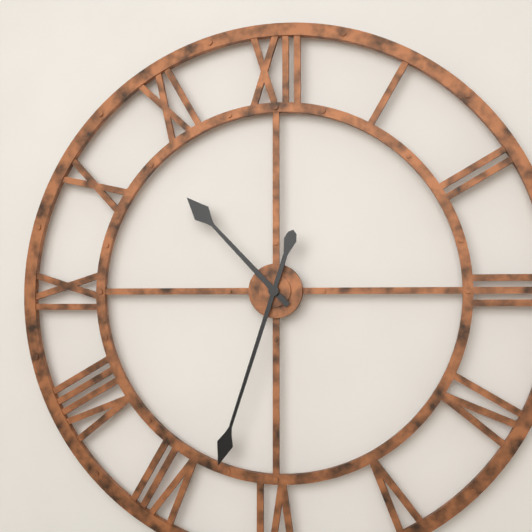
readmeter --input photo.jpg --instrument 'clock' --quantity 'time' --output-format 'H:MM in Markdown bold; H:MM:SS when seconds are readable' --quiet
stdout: **10:33**
